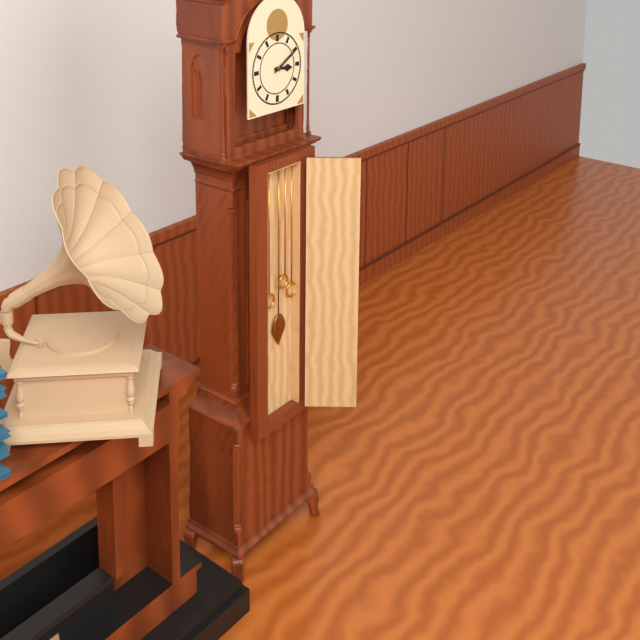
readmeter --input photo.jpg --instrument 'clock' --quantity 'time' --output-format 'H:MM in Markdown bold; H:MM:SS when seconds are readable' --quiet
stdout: **3:10**
